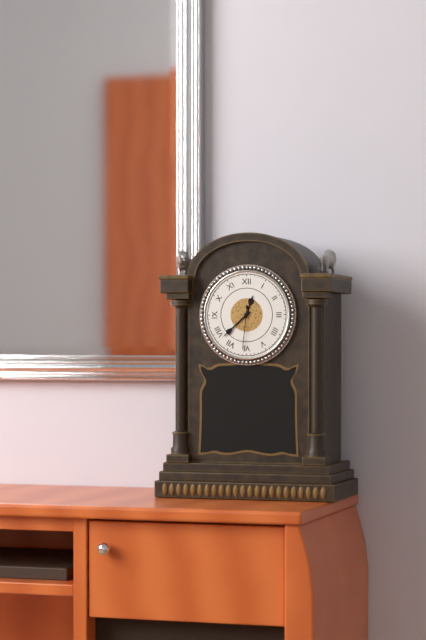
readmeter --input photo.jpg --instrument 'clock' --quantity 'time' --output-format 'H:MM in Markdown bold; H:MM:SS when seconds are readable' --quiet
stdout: **12:38**
